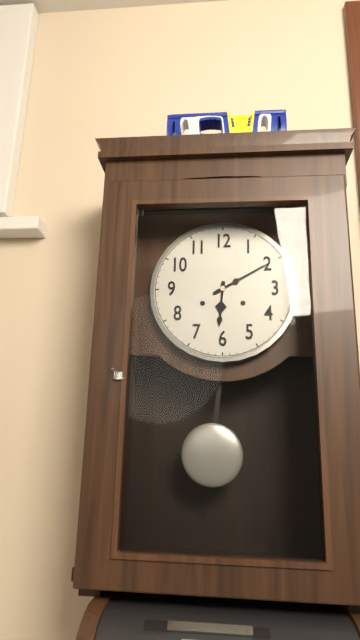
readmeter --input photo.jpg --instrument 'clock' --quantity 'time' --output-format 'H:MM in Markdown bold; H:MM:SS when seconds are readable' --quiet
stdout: **6:10**
